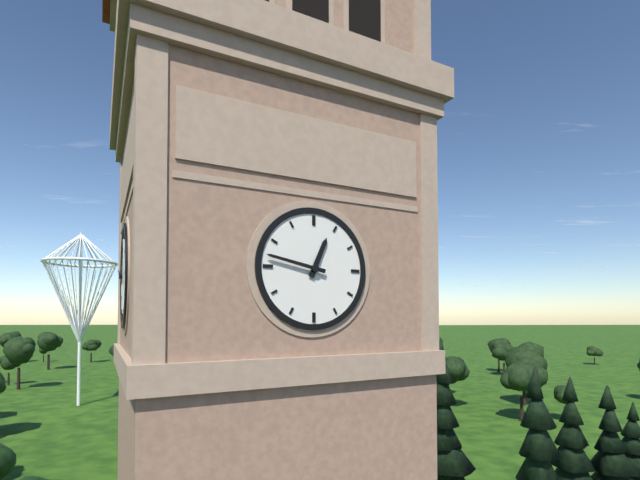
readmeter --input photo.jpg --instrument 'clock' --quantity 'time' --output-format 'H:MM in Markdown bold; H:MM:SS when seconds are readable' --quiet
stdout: **12:47**
